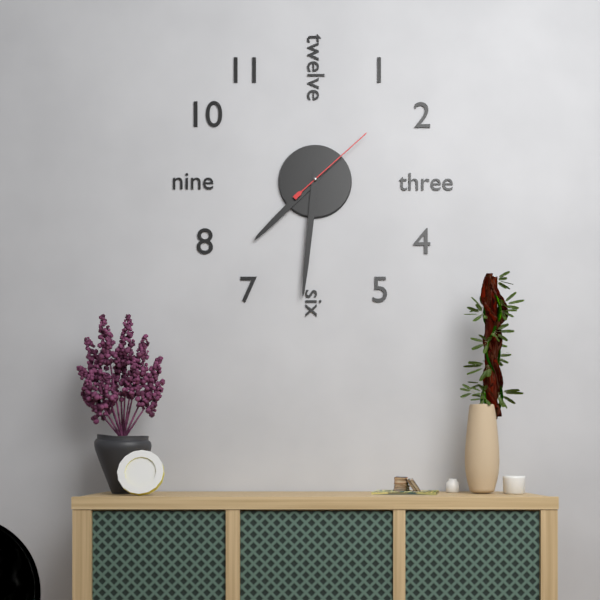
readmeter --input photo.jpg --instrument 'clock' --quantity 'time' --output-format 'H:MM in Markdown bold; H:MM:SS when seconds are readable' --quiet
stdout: **7:31:08**
